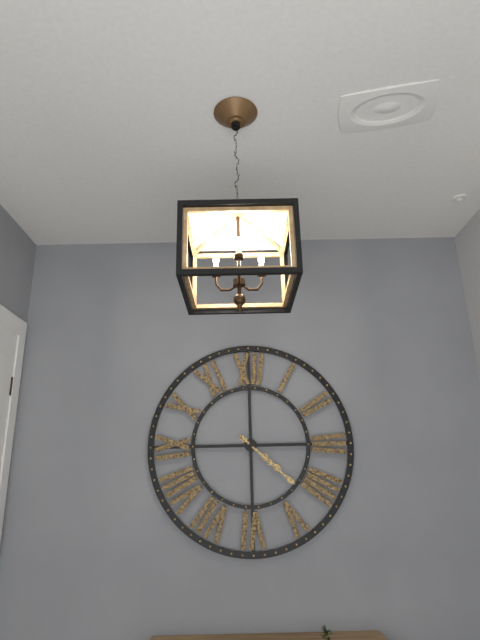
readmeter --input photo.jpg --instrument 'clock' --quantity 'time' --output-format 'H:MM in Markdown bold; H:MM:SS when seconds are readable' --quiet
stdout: **4:22**
